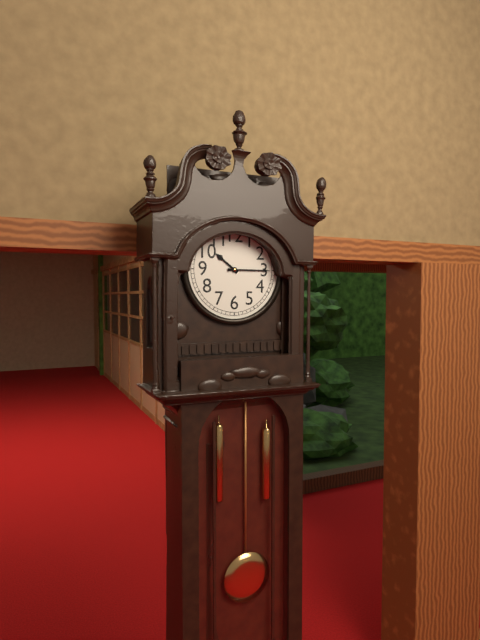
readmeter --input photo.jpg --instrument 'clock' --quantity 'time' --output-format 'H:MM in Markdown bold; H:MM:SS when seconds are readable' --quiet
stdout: **10:15**
